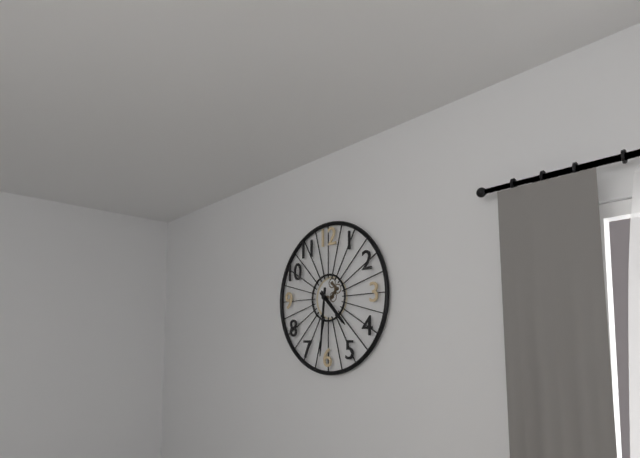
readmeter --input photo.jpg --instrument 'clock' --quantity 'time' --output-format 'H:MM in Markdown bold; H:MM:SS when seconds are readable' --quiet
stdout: **4:31**
